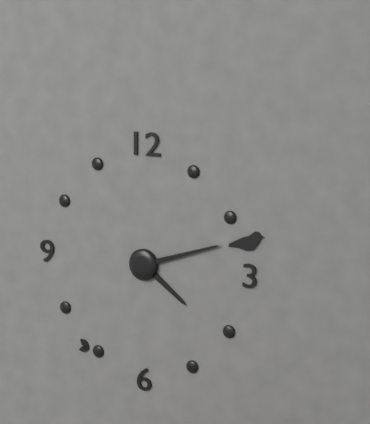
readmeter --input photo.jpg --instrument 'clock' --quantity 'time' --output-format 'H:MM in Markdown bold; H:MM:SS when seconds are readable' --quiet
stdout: **4:12**
